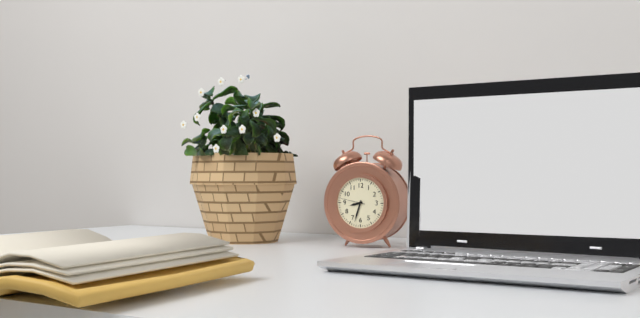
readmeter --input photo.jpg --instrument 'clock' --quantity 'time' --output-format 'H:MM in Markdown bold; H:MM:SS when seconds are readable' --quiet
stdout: **8:33**
